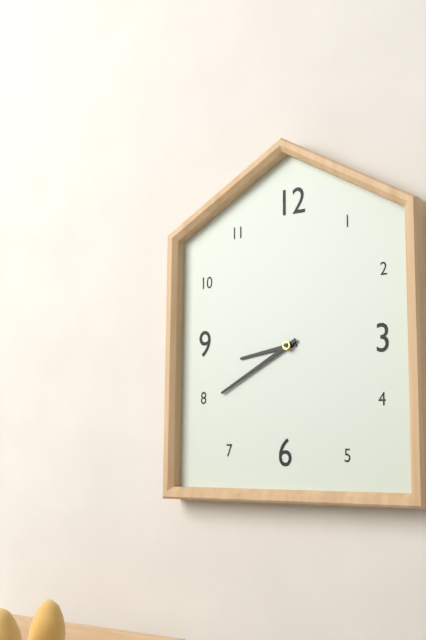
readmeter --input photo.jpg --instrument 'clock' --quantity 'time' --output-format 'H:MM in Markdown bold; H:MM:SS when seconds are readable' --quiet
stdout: **8:40**
